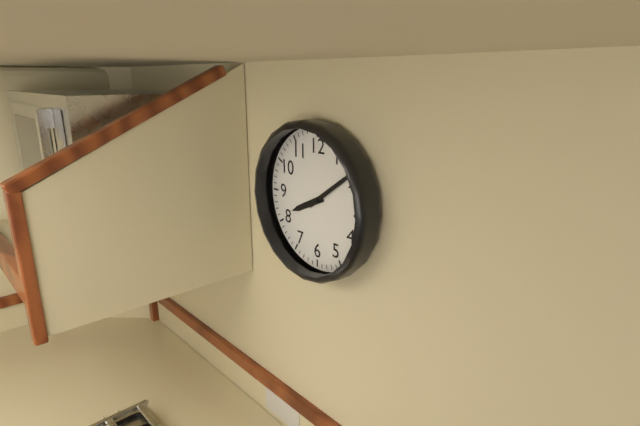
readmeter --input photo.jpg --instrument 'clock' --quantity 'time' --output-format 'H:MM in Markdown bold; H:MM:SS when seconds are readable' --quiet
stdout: **8:09**
